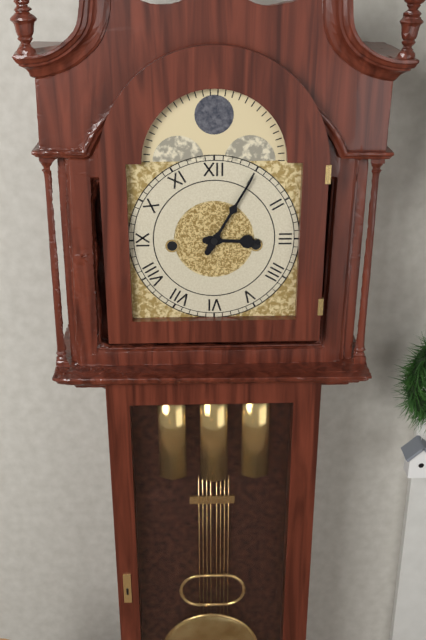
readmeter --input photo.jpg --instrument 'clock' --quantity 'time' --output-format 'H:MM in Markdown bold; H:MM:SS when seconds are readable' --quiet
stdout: **3:05**
